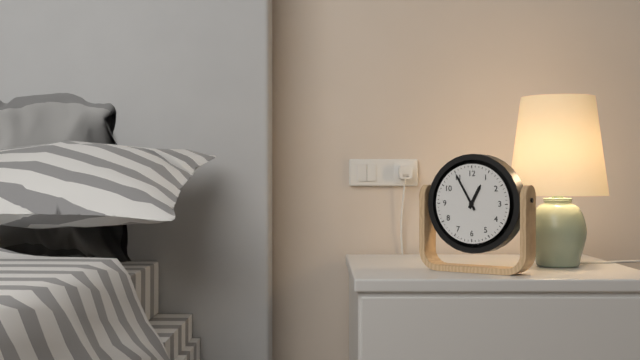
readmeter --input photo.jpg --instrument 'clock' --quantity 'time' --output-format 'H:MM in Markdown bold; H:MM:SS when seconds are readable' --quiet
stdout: **12:55**
